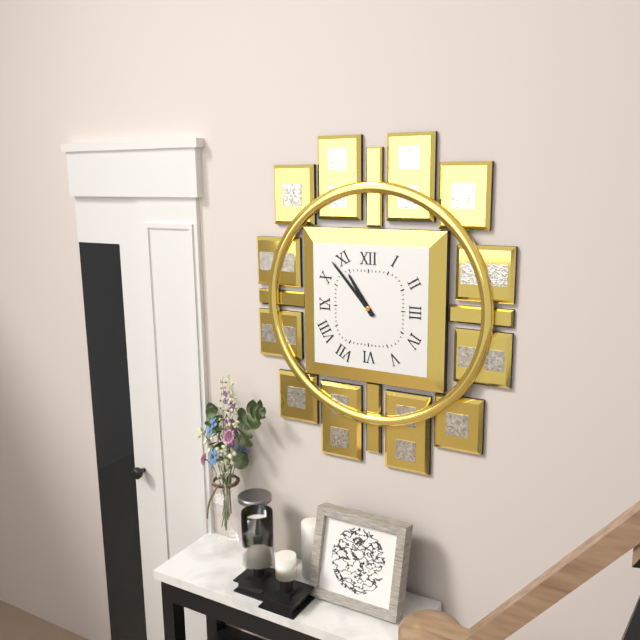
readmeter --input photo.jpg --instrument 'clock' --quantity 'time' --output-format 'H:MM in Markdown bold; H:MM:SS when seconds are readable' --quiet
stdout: **10:53**
